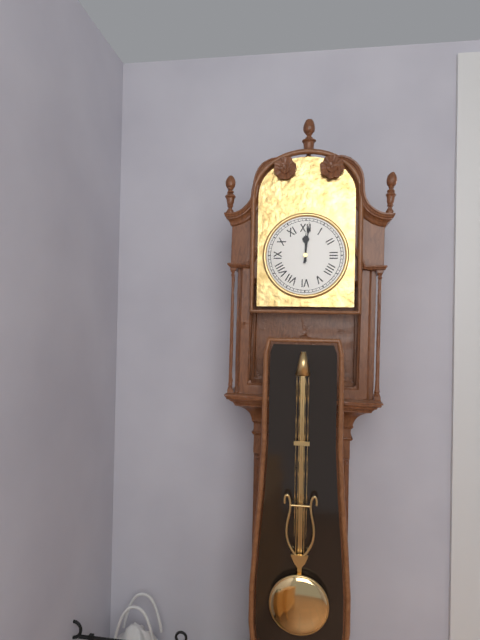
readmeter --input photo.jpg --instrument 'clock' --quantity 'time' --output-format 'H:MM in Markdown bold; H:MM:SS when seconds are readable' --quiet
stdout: **12:01**
